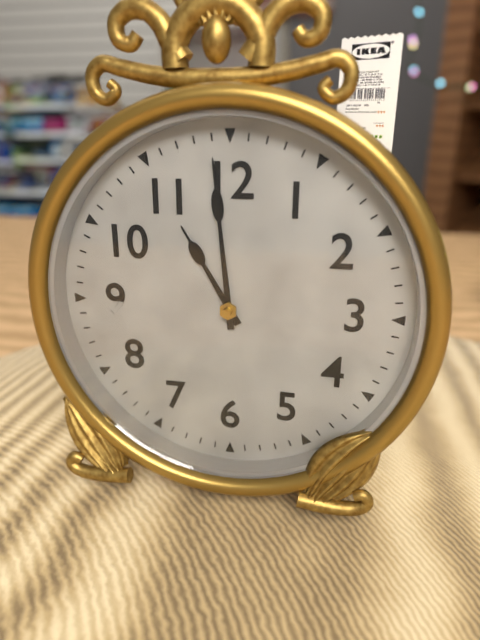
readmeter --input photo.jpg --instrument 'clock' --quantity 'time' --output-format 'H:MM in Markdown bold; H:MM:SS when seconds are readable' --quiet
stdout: **10:59**
